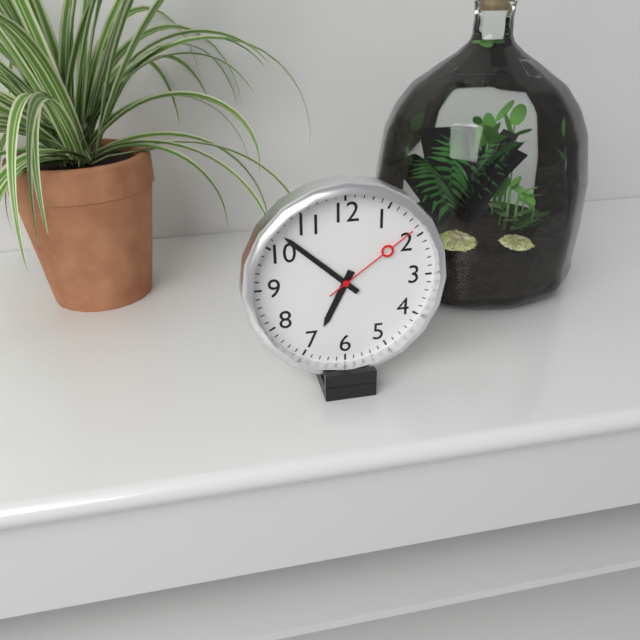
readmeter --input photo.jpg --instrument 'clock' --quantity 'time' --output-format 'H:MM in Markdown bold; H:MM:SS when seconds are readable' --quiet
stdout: **6:52:09**
